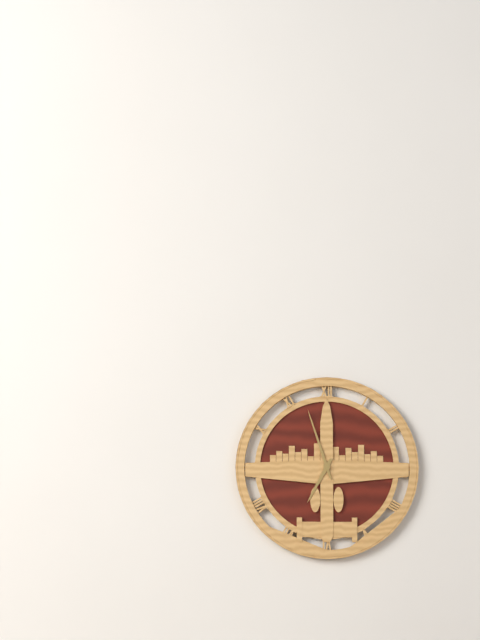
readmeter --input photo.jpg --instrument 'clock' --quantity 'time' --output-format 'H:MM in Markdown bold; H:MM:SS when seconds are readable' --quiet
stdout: **6:57**
